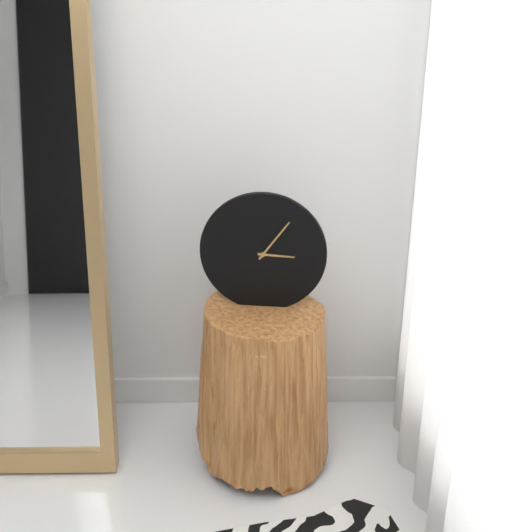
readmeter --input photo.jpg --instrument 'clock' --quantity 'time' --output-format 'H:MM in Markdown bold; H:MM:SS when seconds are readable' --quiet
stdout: **3:06**
